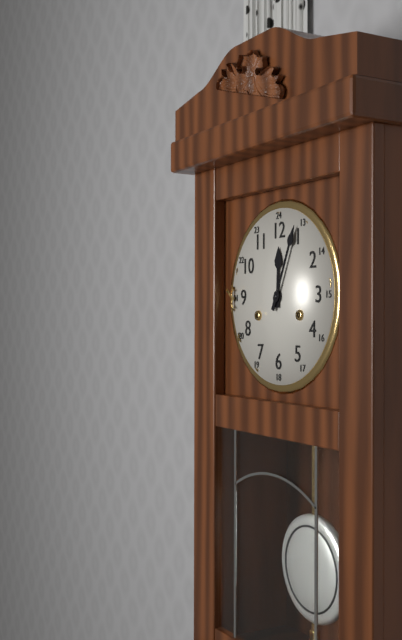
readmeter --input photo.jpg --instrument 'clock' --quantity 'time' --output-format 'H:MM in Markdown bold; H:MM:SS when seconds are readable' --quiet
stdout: **12:04**
